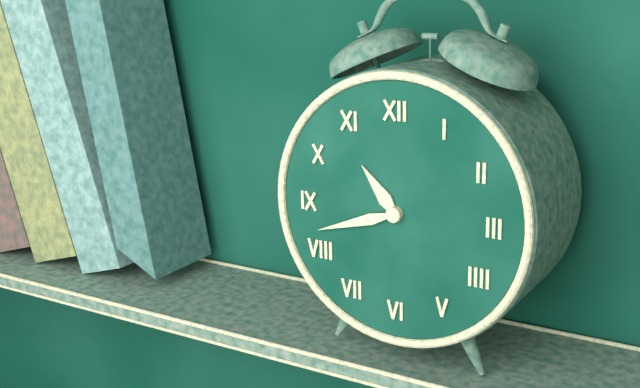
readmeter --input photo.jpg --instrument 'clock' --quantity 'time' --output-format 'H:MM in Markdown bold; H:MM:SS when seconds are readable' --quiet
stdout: **10:42**
